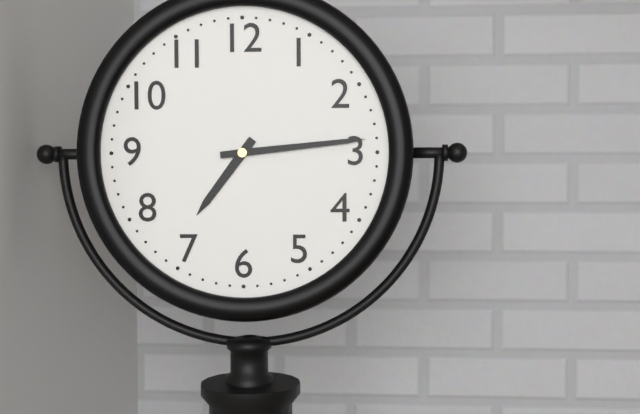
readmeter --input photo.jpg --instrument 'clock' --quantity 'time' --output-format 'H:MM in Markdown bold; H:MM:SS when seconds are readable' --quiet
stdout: **7:14**
